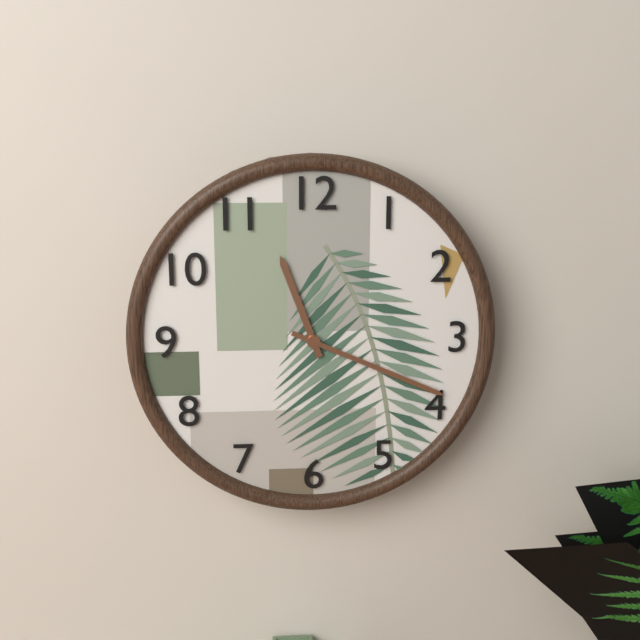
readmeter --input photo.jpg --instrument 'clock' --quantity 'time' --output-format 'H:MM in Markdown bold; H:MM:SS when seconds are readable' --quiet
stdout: **11:19**
